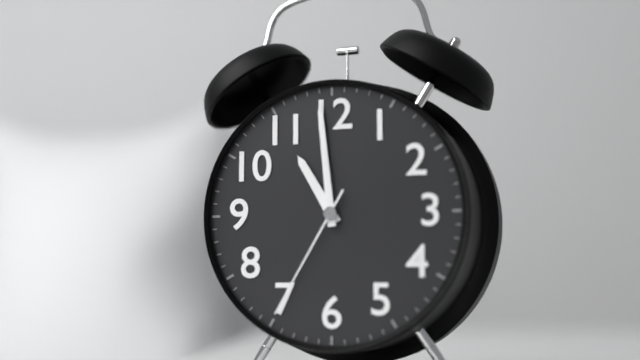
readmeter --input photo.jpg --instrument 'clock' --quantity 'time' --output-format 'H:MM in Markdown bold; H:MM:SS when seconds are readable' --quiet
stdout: **10:59:35**
